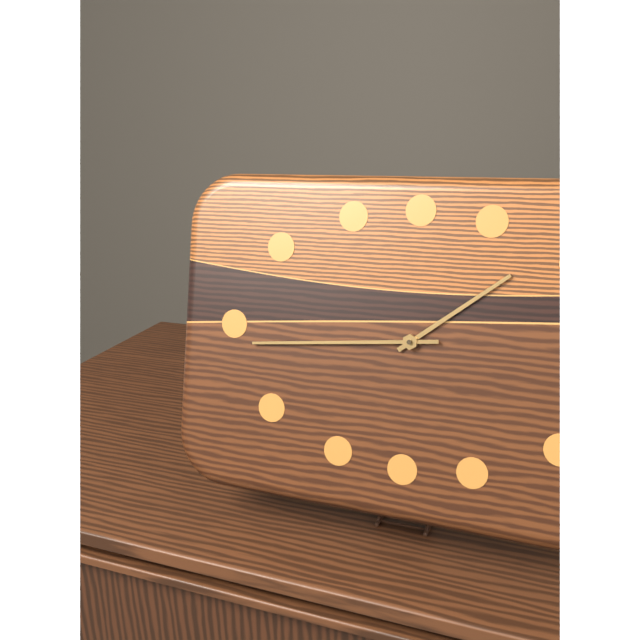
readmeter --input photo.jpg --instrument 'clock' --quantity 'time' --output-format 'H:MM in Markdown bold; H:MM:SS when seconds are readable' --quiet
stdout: **1:44**
